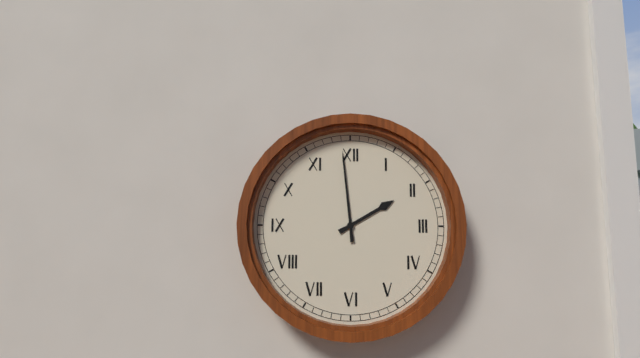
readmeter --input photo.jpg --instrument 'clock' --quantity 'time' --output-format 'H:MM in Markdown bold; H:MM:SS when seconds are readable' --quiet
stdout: **1:59**
